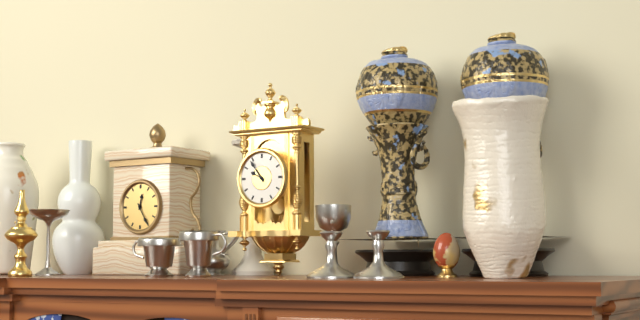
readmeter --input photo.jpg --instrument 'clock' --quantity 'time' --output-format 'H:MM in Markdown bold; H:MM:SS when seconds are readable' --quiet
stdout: **9:54**
